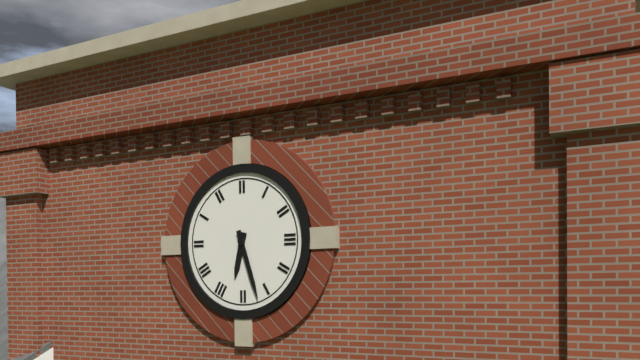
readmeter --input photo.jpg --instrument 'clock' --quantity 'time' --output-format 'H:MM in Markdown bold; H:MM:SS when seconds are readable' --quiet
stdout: **6:27**
